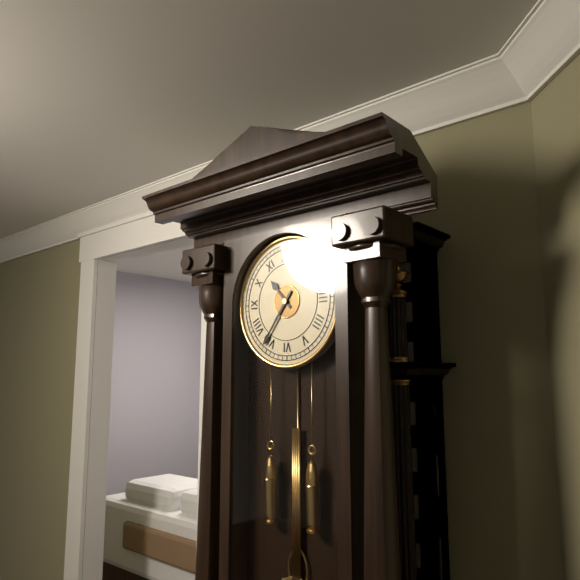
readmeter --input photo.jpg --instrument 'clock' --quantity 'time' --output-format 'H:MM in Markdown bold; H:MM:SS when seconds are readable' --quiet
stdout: **10:36**
